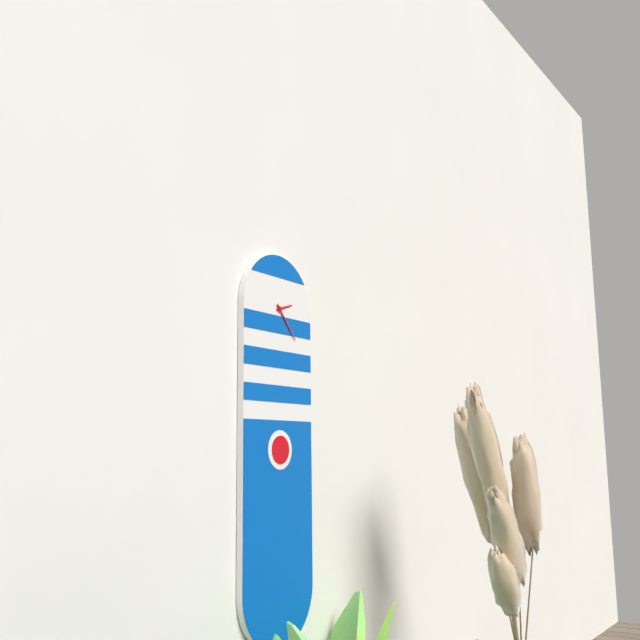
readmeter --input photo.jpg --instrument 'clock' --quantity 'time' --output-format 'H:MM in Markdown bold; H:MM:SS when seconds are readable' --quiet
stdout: **2:23**
